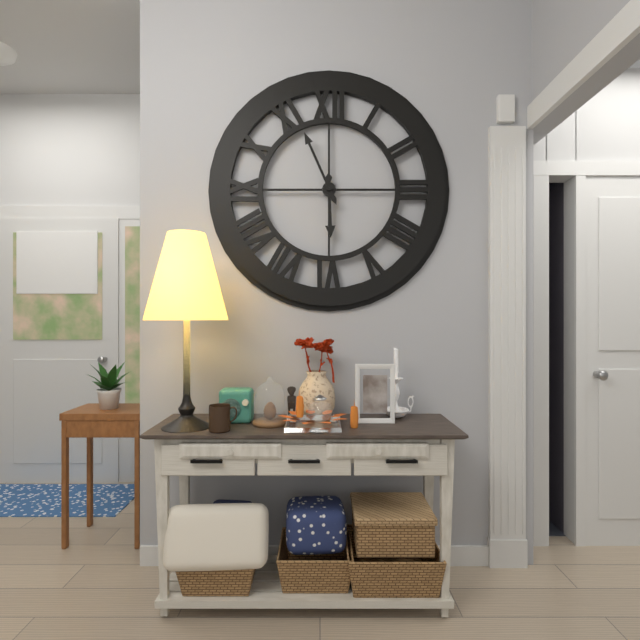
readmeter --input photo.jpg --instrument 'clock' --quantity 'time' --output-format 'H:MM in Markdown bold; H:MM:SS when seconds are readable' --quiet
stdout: **5:56**
